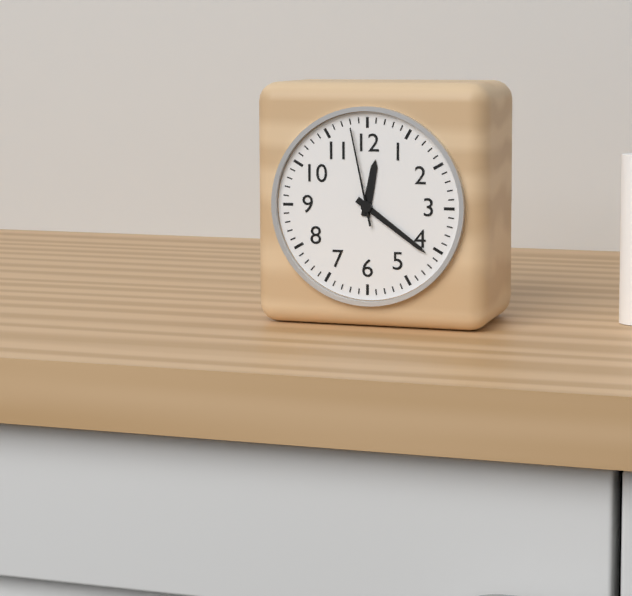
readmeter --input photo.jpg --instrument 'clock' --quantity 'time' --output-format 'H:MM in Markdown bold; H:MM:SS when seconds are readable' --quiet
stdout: **12:21:58**
